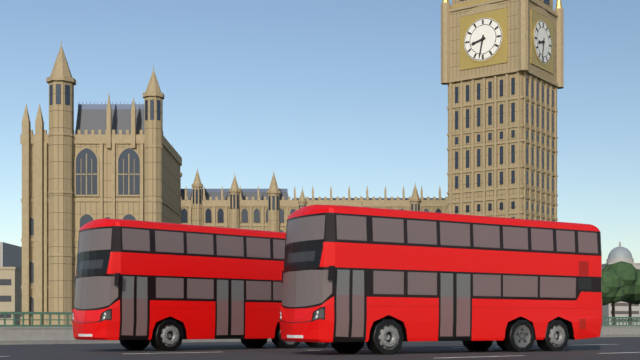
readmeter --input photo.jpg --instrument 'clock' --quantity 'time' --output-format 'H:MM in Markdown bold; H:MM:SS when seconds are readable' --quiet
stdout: **8:32**
